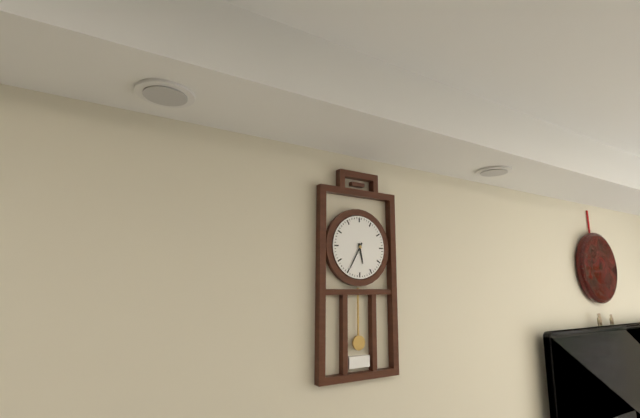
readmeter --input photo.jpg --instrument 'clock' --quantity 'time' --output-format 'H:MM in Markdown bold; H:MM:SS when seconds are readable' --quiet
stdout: **5:35**
